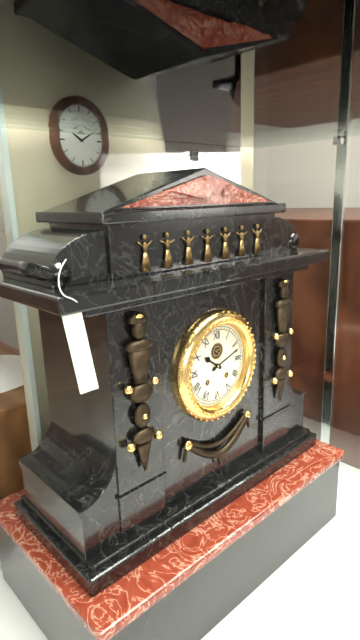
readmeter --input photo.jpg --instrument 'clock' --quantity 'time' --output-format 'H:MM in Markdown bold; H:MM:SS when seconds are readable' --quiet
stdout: **10:12**
